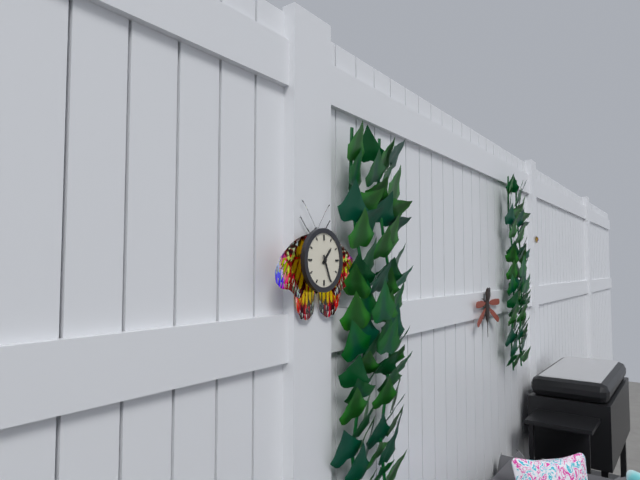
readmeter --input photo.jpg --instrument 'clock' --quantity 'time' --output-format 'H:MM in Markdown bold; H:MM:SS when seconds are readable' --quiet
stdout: **1:26**
